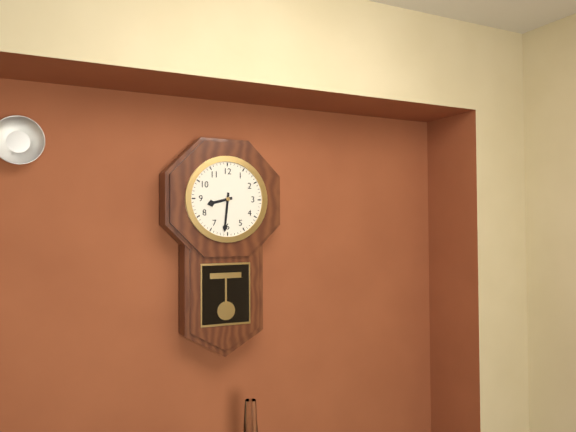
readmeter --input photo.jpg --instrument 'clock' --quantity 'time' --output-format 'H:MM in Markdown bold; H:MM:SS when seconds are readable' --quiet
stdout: **8:31**
